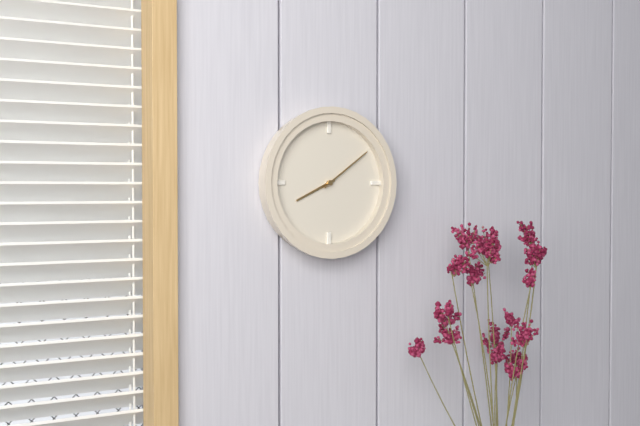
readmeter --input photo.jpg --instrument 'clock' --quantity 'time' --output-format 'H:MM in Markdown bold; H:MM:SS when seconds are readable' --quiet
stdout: **8:09**
